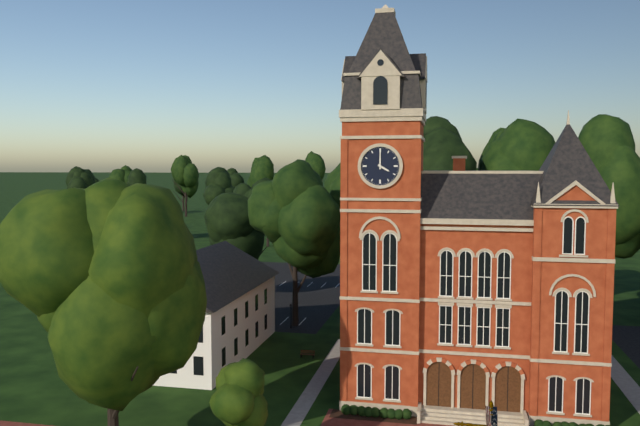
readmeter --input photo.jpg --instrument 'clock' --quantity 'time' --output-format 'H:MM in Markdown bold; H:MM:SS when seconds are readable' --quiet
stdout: **4:00**
